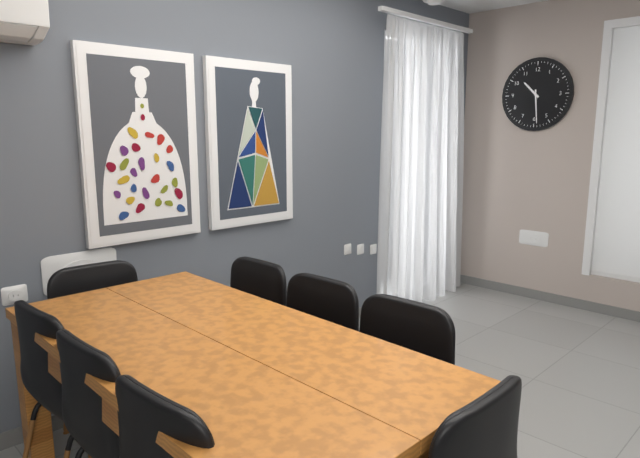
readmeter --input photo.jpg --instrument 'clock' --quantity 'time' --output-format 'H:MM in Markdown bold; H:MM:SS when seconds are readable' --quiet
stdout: **10:29**
